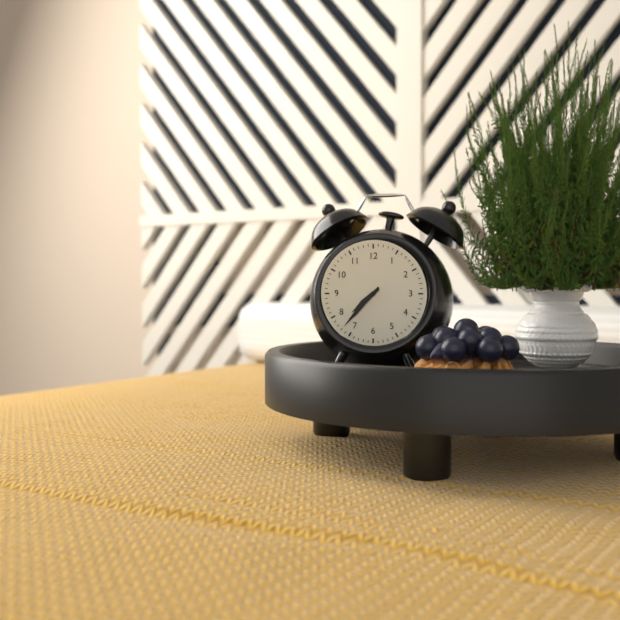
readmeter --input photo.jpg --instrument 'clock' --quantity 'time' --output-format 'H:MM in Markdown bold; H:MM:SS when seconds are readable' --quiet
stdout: **7:37**
